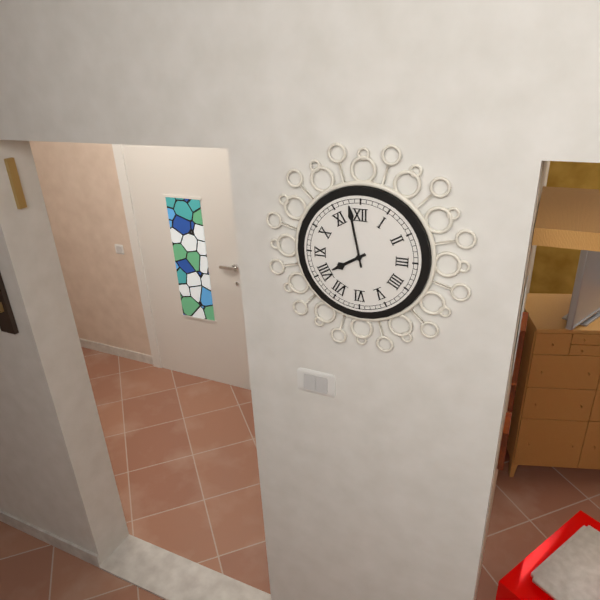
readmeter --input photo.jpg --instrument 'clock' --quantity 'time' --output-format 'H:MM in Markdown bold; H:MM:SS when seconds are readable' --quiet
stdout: **7:58**
